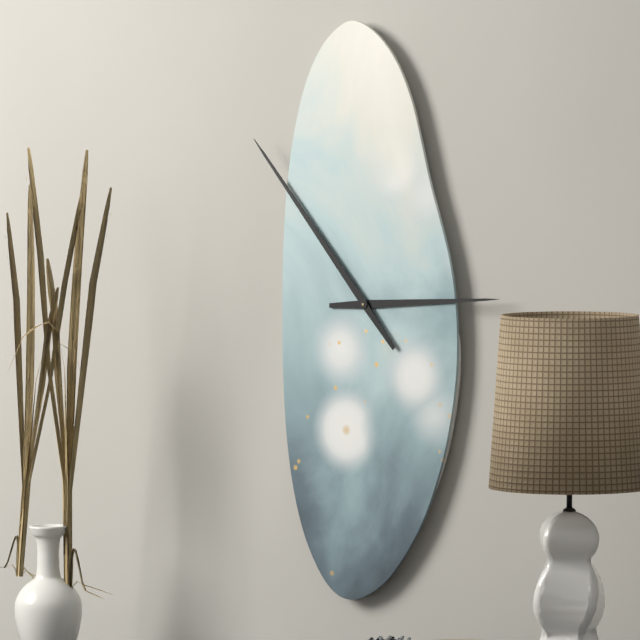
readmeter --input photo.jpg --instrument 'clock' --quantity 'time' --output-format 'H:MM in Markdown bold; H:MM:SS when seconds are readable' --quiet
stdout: **2:53**
